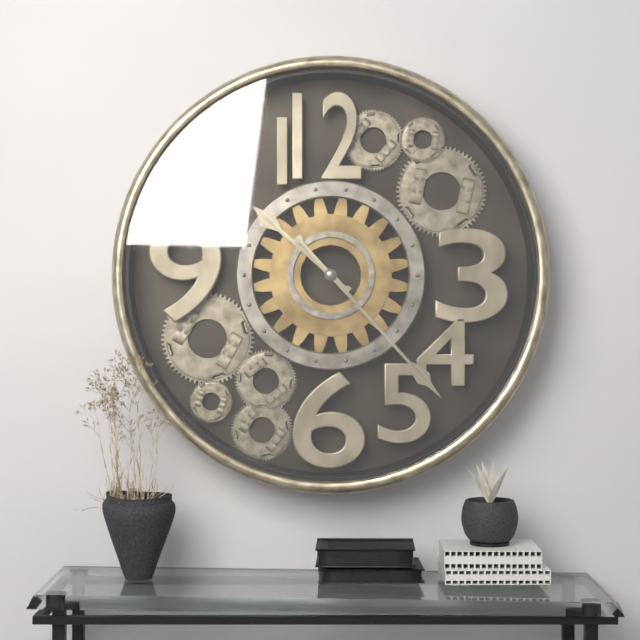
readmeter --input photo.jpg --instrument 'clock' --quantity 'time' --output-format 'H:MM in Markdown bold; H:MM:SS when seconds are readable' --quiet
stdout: **10:23**
